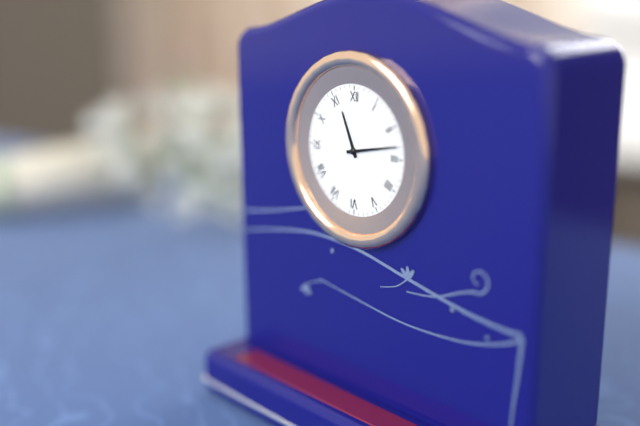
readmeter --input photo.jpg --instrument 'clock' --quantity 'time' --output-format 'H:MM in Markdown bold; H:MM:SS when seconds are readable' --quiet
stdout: **11:13**
